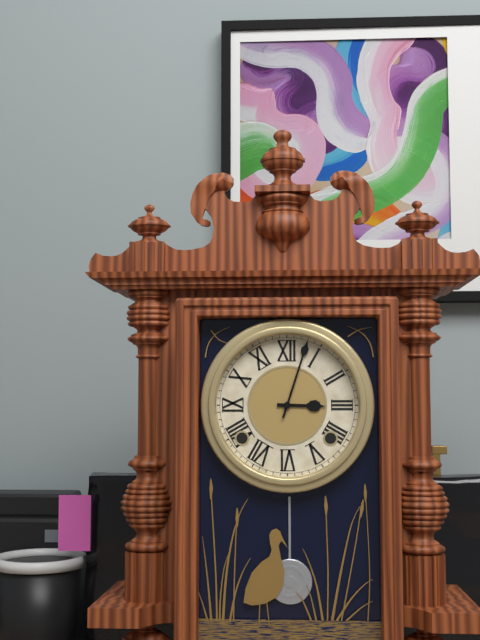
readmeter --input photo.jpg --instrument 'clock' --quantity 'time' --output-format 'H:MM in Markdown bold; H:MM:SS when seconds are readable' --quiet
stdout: **3:03**
